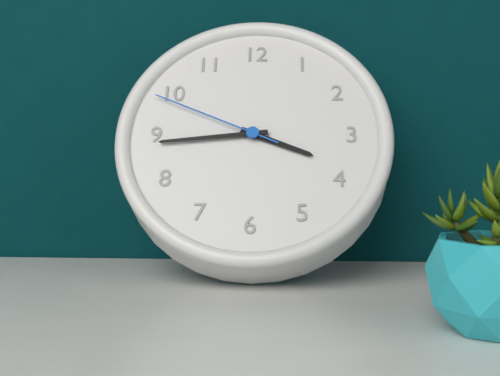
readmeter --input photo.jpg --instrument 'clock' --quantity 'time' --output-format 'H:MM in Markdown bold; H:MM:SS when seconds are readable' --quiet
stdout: **3:44:49**
